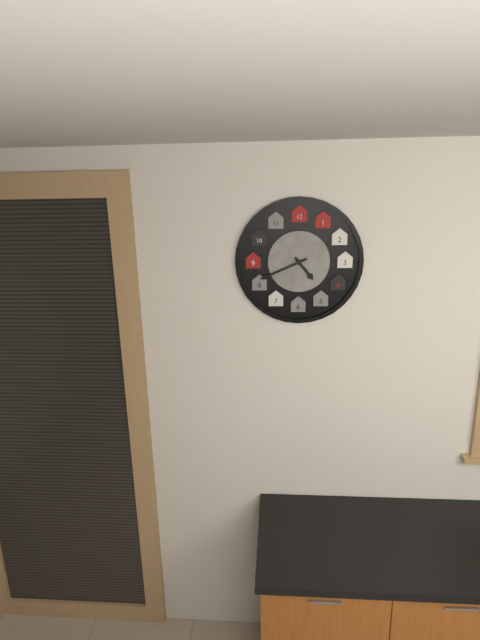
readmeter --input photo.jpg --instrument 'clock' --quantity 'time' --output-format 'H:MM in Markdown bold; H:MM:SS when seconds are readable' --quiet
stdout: **4:41**
